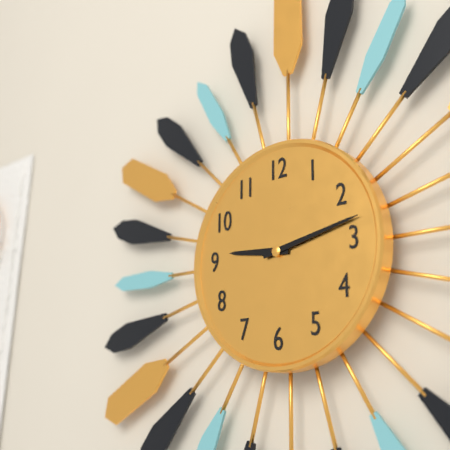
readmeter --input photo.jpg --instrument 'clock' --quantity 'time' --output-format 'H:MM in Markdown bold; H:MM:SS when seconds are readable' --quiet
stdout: **9:13**
